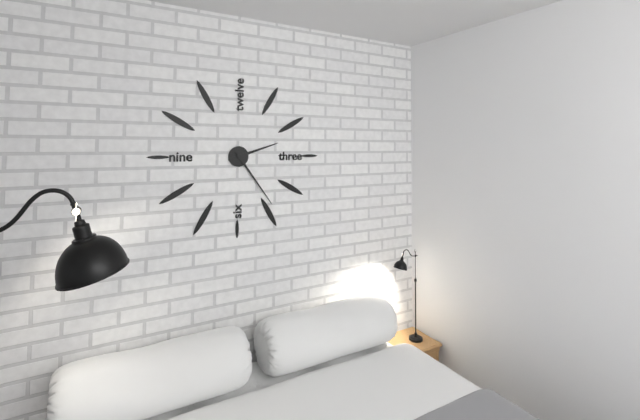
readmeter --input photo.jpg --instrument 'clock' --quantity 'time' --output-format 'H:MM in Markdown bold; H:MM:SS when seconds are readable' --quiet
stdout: **2:24**
